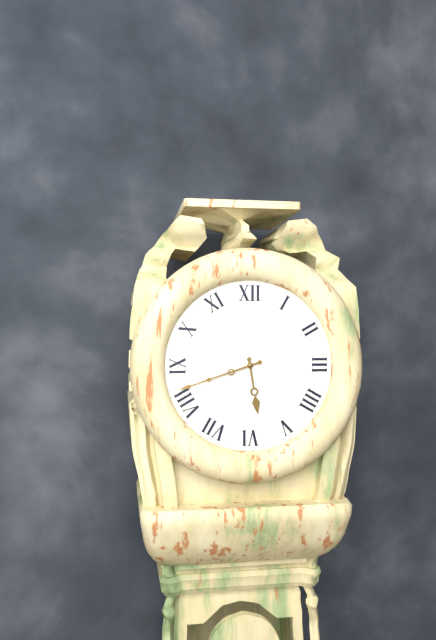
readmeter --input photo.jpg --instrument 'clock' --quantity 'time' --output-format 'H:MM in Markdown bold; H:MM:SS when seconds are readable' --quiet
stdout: **5:42**
